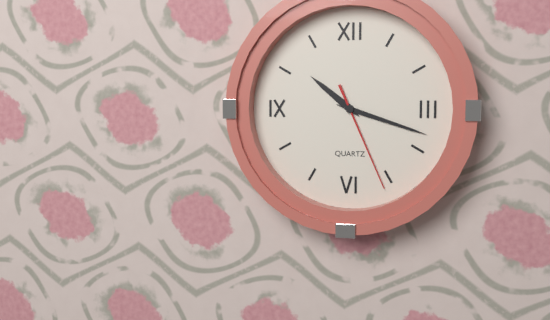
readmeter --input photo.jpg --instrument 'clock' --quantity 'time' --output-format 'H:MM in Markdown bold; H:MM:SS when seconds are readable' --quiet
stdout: **10:18:26**
